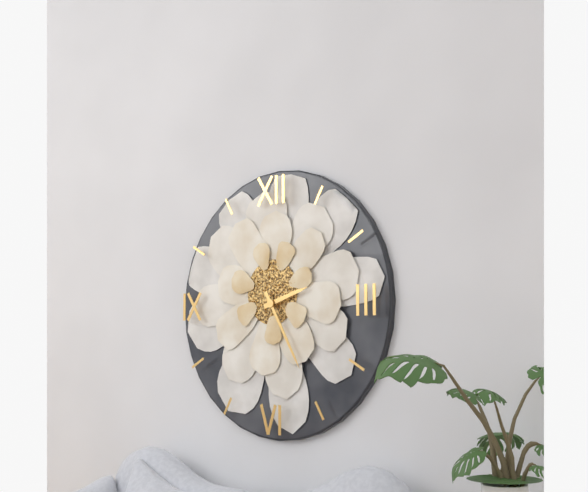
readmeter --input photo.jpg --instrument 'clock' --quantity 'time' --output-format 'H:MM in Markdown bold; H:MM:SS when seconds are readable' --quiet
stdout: **2:25**
